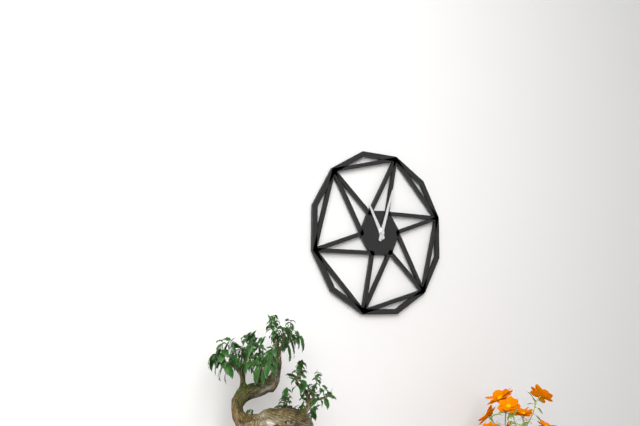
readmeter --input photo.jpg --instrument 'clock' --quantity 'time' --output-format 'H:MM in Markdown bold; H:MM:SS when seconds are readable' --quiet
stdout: **11:03**
